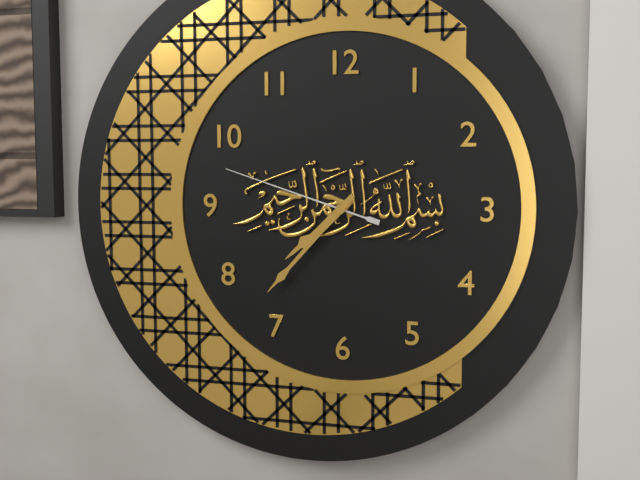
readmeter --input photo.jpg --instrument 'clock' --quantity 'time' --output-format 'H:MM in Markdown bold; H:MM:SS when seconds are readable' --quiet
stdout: **7:37:48**
